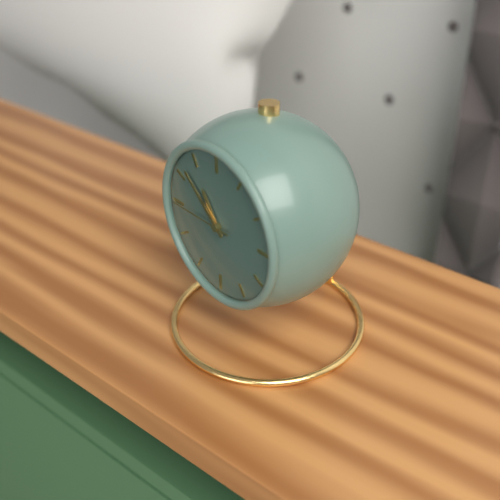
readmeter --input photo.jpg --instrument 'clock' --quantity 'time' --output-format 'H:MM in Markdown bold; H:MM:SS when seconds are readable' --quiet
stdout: **10:52:45**
